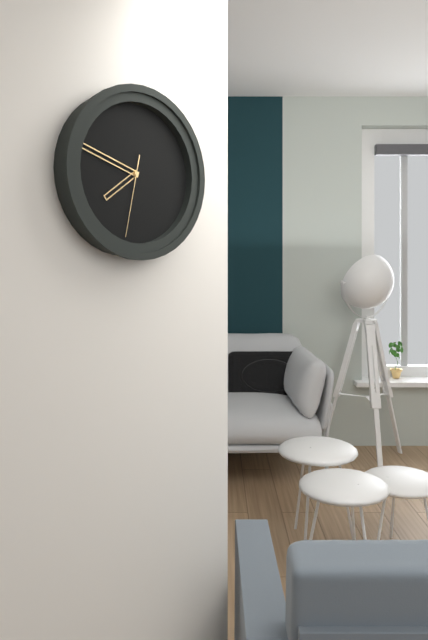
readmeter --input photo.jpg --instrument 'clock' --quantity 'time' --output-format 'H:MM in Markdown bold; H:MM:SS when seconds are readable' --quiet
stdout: **7:48:32**
